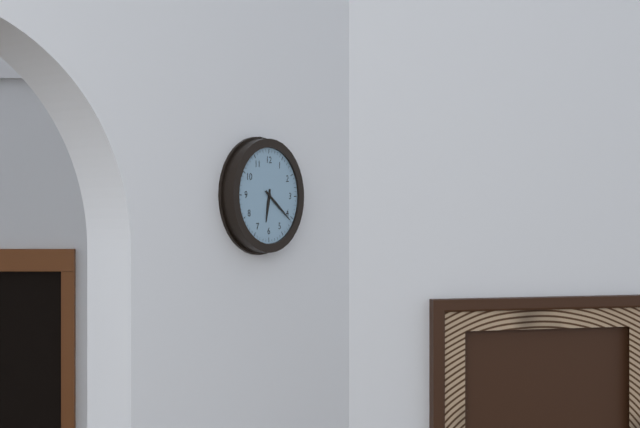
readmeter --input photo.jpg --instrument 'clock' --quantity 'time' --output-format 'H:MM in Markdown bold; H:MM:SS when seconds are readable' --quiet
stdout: **6:21**
